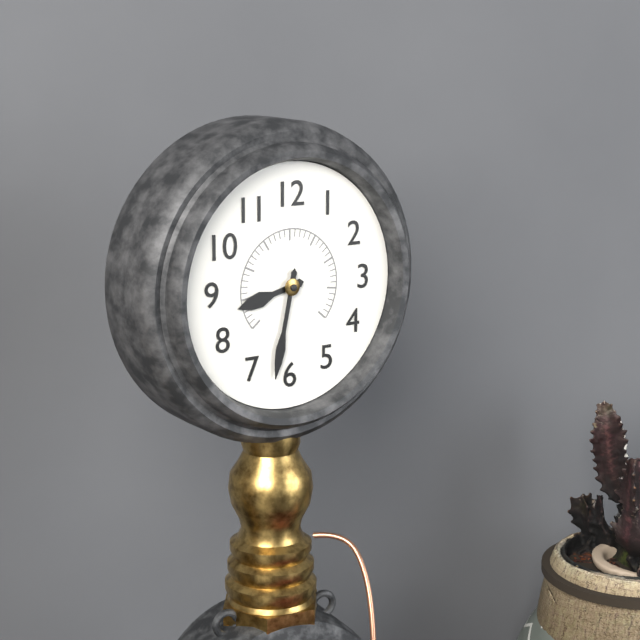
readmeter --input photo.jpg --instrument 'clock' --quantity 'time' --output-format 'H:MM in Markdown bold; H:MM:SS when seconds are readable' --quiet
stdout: **8:32**
